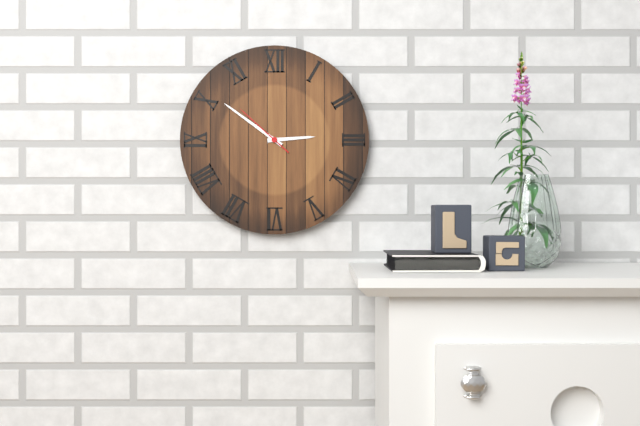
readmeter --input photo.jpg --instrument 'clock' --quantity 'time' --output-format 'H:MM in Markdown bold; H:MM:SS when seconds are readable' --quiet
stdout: **2:51:52**
